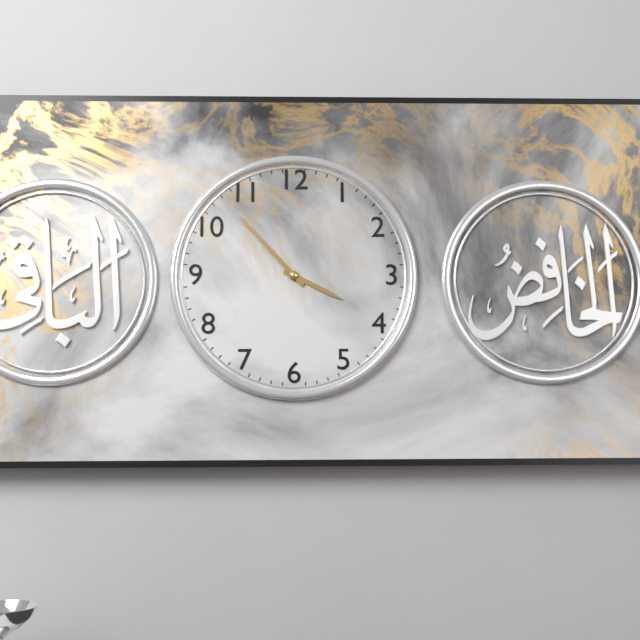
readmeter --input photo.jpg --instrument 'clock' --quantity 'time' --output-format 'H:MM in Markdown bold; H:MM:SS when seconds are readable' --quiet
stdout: **3:53**
